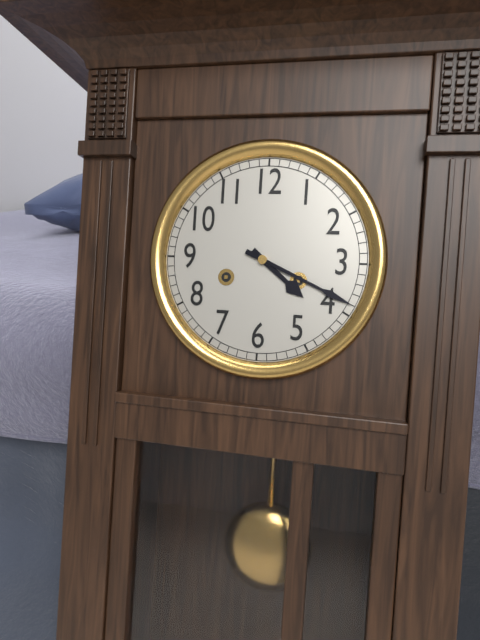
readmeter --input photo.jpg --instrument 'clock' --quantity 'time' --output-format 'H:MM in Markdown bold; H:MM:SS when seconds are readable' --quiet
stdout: **4:19**
